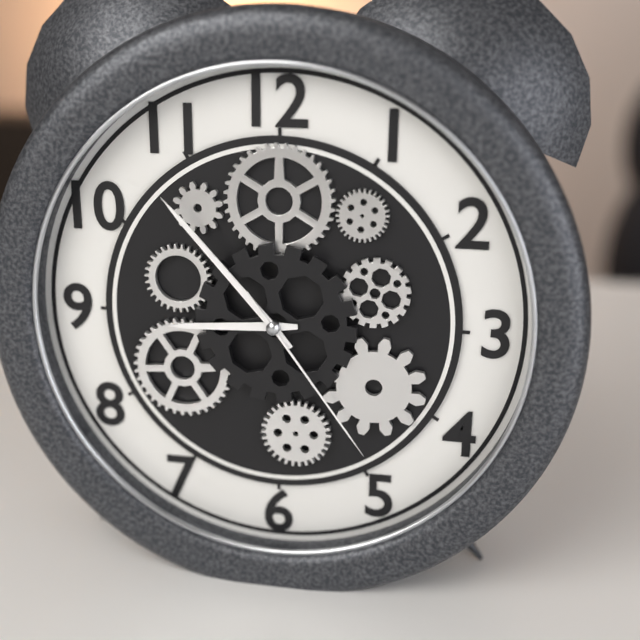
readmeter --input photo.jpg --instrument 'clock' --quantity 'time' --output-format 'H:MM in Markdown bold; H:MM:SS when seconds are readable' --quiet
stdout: **8:53:24**
